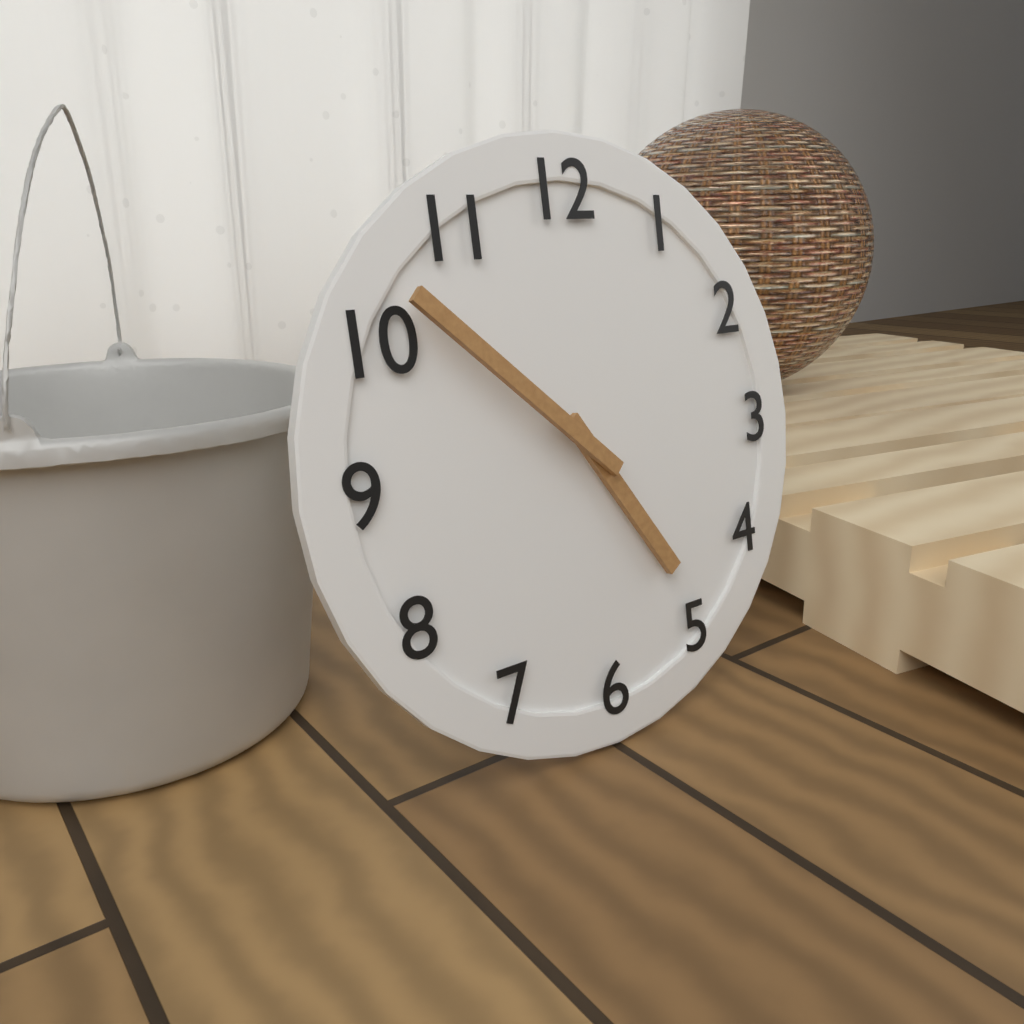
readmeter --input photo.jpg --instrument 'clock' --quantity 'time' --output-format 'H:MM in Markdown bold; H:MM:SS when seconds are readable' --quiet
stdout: **4:52**
